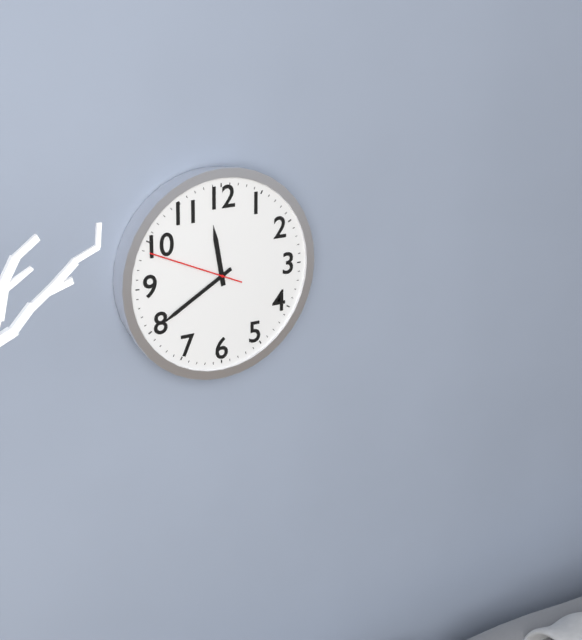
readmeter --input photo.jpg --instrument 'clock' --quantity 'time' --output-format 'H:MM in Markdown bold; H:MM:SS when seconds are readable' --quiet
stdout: **11:40:49**
